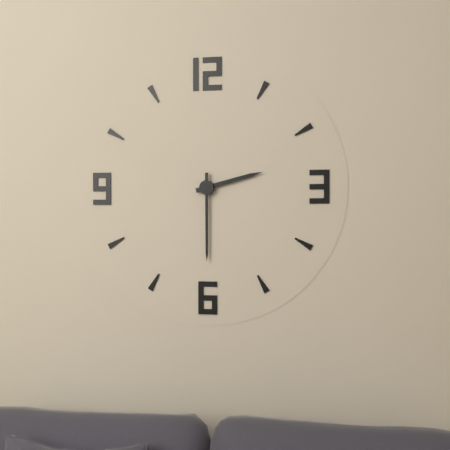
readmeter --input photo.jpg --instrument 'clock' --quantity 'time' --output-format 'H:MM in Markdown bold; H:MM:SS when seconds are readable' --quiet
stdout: **2:30**
